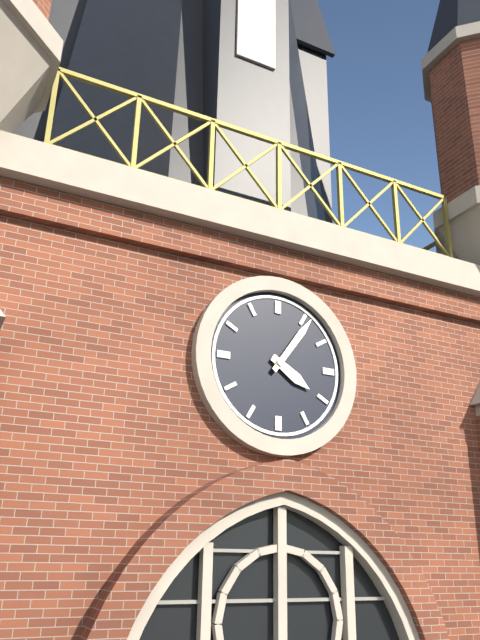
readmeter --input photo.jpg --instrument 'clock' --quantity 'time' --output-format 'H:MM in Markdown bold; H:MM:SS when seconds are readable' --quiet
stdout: **4:06**
